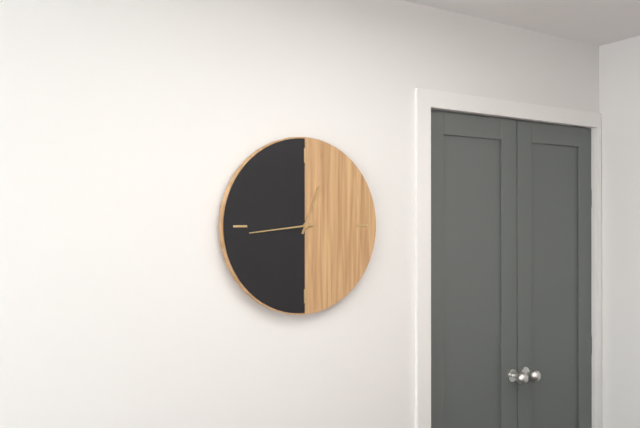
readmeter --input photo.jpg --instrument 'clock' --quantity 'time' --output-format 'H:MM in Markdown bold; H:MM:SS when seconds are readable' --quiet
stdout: **12:44**
